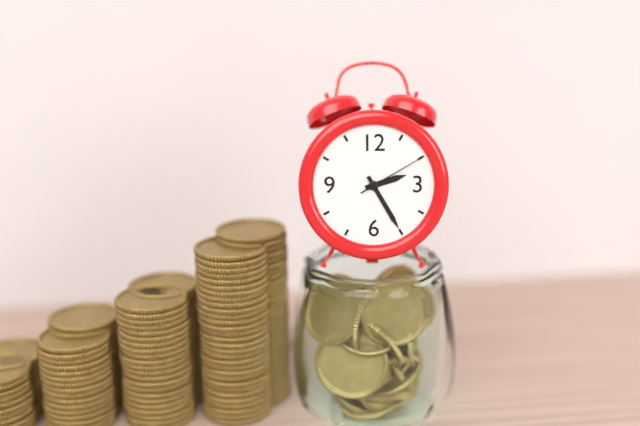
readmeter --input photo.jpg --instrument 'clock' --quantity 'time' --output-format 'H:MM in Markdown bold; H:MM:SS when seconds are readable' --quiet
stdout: **2:25:10**
